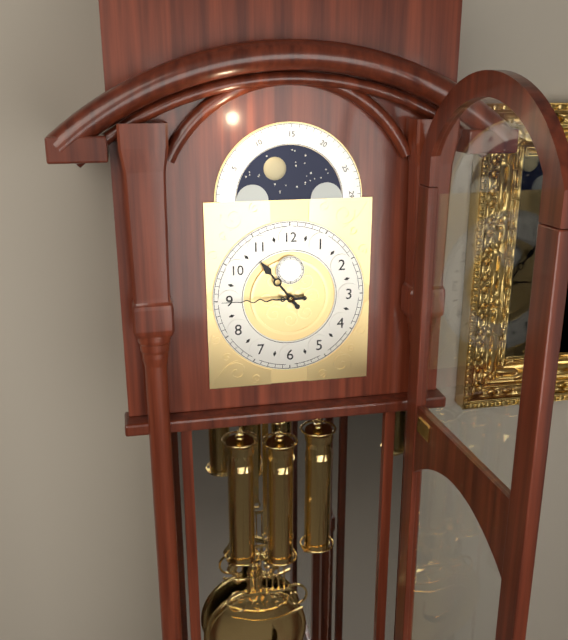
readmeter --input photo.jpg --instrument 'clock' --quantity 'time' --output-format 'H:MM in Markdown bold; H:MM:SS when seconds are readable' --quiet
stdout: **10:45**
